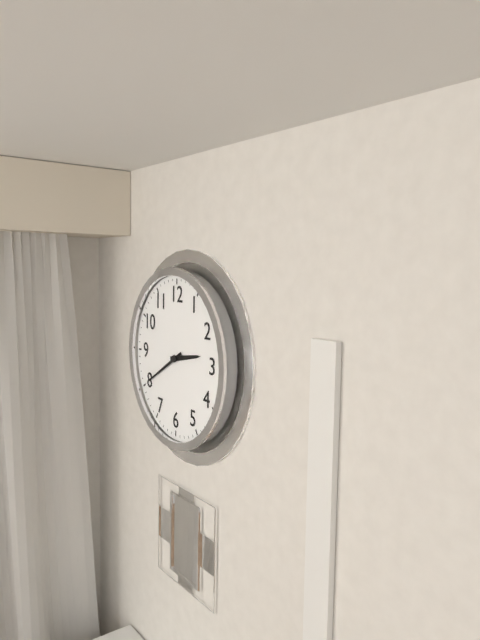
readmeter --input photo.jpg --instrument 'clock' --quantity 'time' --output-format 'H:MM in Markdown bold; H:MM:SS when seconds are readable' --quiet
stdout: **2:40**
